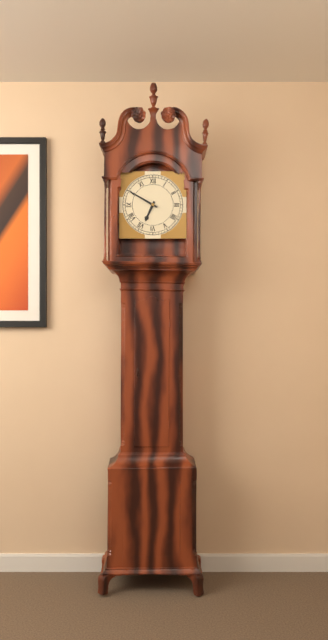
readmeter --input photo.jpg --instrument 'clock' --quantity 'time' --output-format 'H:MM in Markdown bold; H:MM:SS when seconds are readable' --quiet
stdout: **6:50**
